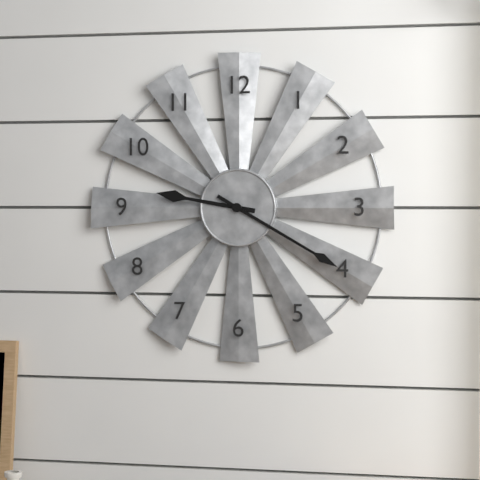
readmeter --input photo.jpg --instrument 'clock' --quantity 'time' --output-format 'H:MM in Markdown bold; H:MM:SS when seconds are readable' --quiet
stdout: **9:20**
